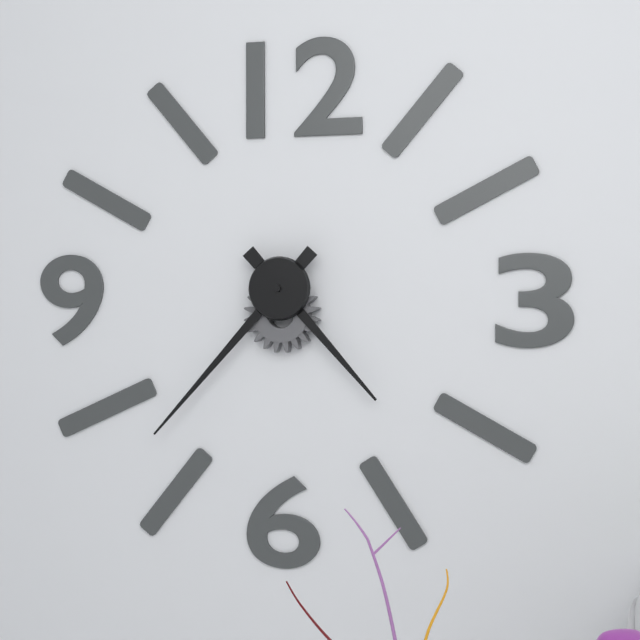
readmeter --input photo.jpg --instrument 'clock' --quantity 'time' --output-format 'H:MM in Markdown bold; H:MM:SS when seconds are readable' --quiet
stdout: **4:37**
